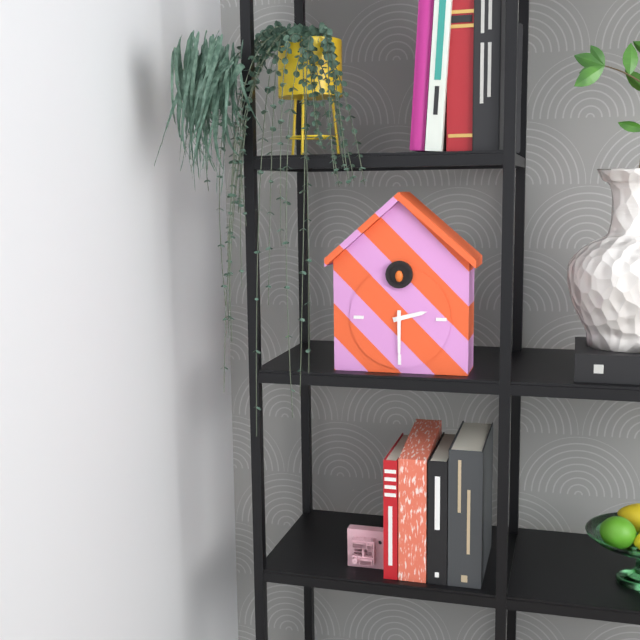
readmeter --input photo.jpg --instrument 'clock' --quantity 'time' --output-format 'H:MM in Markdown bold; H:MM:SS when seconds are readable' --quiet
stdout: **2:30**
